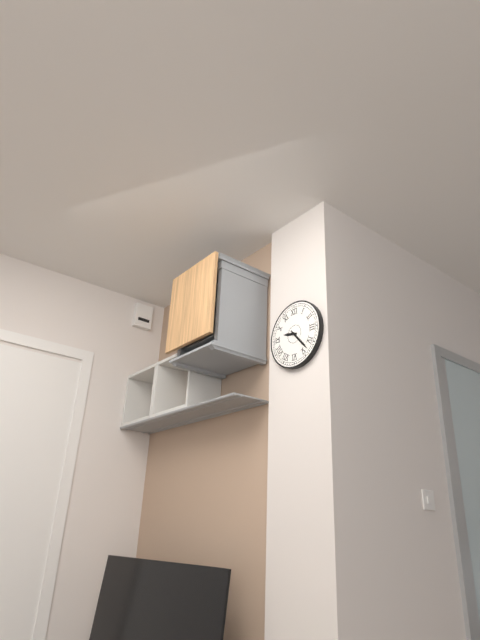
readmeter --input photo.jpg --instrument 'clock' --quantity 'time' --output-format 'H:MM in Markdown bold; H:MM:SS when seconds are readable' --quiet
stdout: **9:23**
